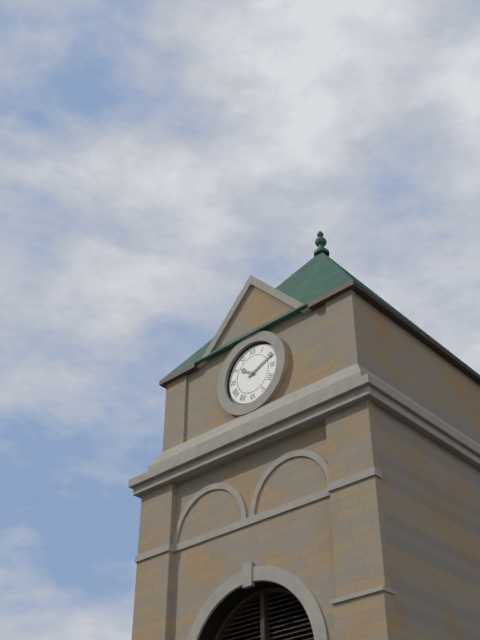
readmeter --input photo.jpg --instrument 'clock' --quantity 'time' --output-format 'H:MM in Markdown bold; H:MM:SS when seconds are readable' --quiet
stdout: **10:11**
